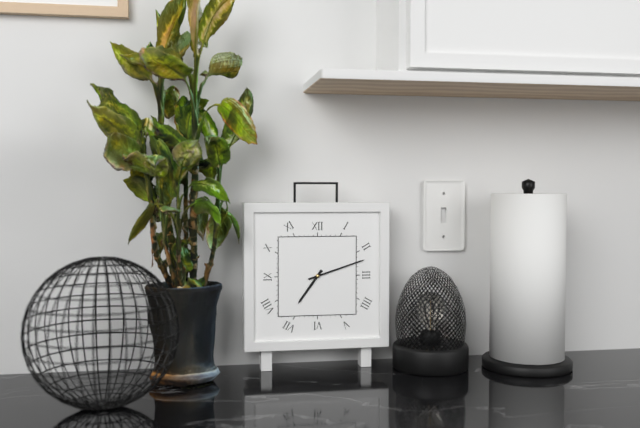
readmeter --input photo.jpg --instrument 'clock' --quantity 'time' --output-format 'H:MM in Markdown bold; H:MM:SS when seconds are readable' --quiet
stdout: **7:12**
